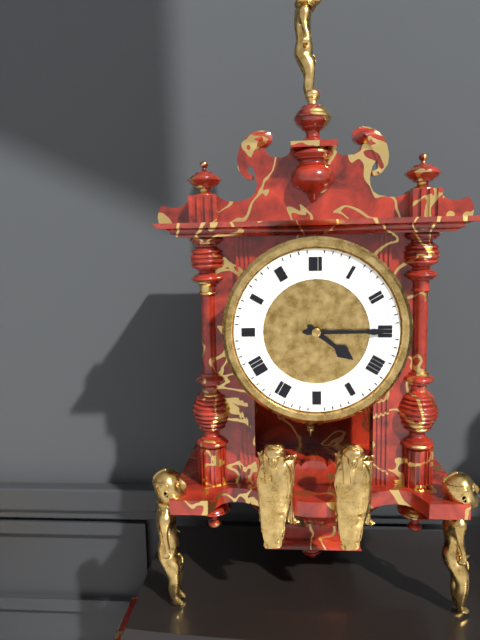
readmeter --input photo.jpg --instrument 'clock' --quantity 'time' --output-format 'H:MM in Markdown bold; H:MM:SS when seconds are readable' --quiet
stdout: **4:15**
